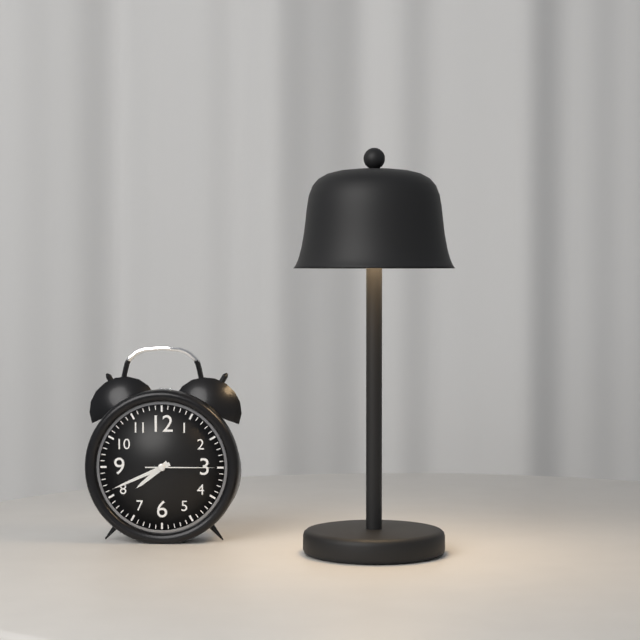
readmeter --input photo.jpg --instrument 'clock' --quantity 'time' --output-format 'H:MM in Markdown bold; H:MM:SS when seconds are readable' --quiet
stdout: **7:41:15**
